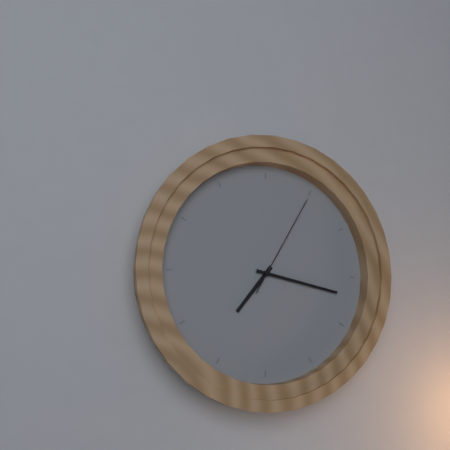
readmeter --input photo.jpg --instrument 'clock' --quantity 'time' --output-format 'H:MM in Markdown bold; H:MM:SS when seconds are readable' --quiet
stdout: **7:17:05**
